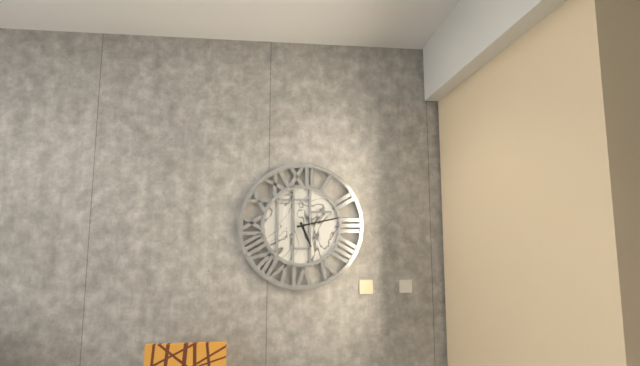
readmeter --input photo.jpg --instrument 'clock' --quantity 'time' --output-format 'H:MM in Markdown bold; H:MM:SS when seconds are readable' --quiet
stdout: **5:13**
